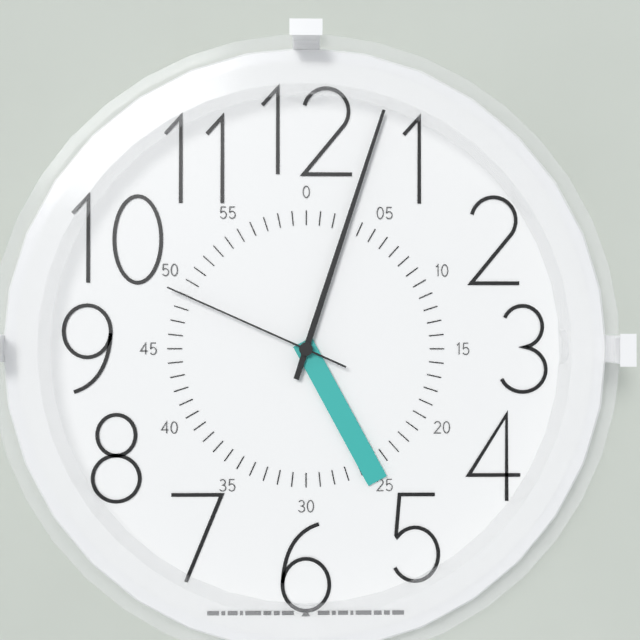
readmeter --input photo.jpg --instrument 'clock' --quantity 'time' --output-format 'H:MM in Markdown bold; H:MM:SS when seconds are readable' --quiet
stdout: **5:03:49**
